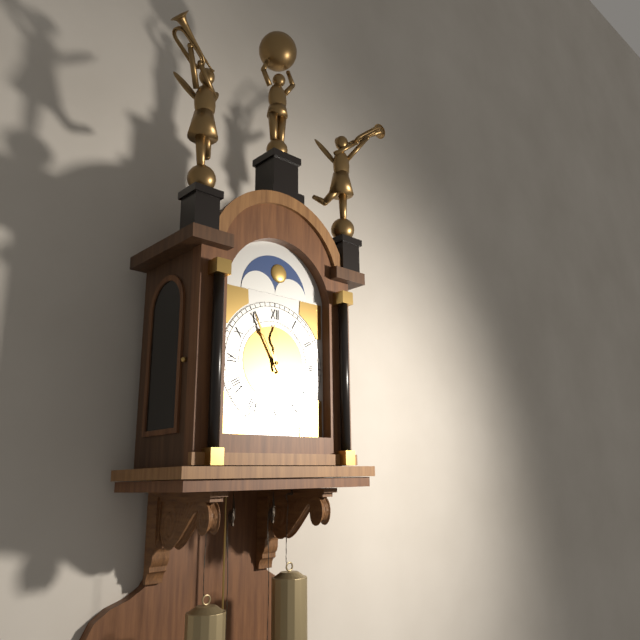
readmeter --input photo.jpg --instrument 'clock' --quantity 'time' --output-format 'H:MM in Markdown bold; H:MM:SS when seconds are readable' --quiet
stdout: **11:55**
